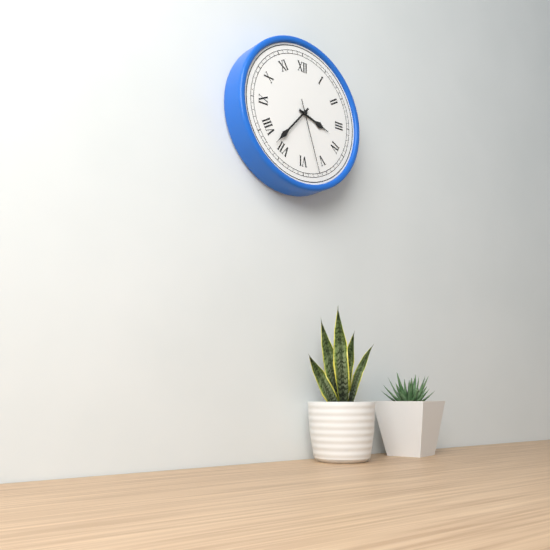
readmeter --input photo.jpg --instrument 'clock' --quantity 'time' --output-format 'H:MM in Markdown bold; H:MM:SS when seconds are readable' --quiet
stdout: **3:37:27**
